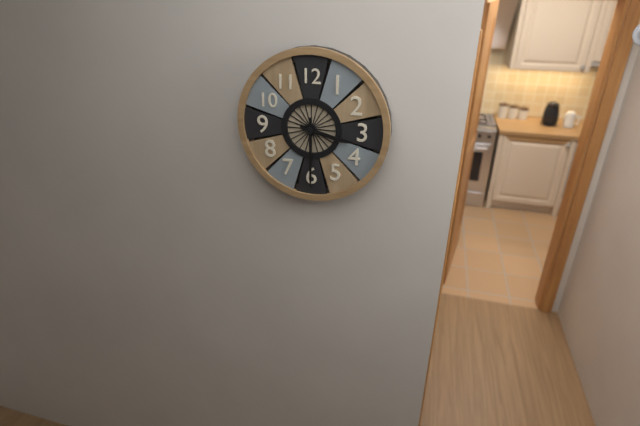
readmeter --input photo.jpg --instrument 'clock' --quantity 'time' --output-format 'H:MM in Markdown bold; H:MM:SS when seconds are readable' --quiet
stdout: **3:30**
